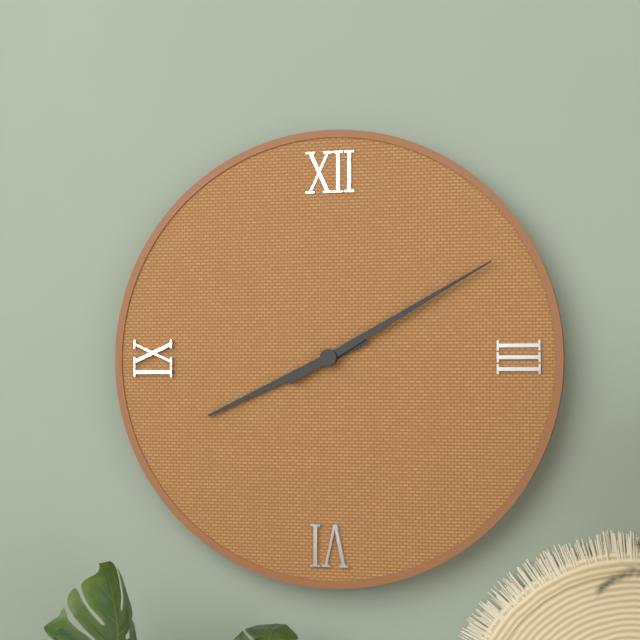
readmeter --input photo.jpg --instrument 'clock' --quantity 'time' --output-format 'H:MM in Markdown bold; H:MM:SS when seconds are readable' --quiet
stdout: **8:10**
